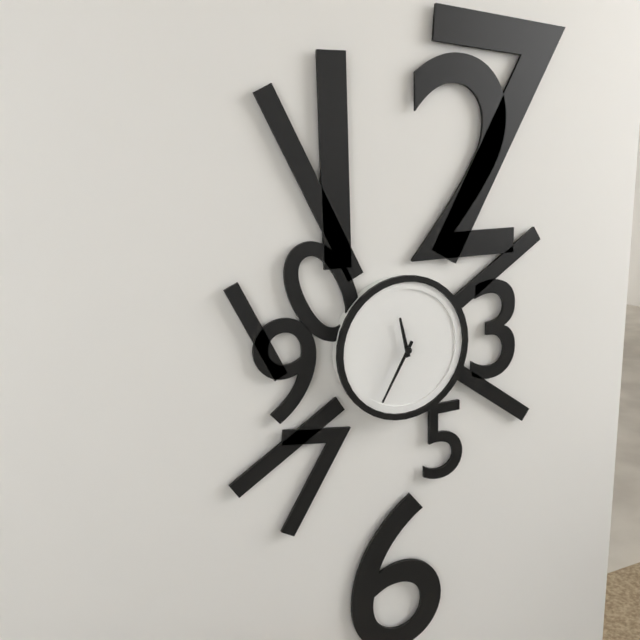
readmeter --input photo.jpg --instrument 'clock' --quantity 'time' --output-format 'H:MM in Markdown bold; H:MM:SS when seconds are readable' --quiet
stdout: **11:35**
